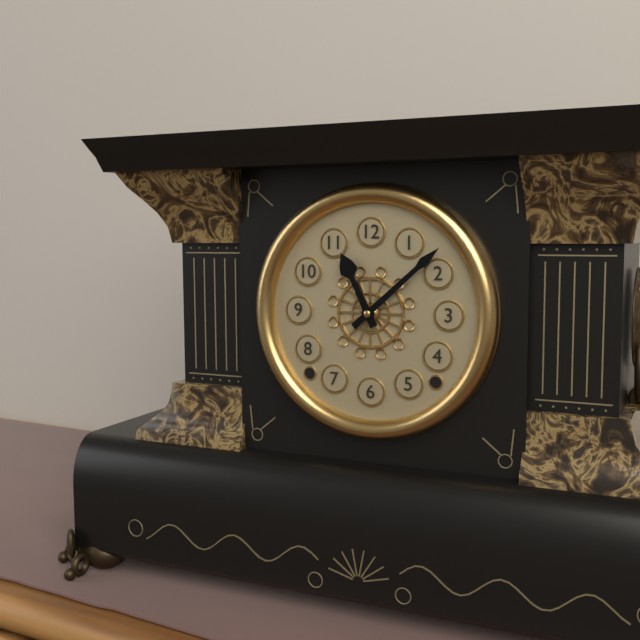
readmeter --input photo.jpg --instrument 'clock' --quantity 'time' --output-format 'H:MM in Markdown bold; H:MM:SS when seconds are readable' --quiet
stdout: **11:08**
